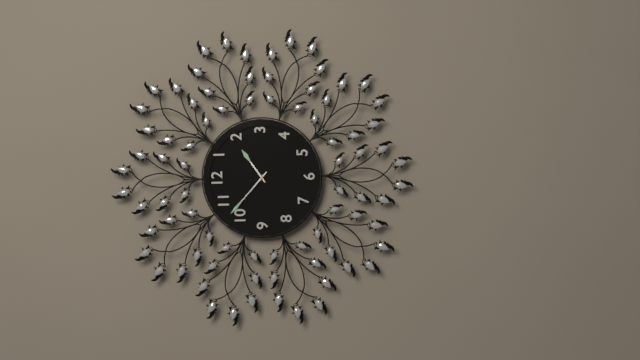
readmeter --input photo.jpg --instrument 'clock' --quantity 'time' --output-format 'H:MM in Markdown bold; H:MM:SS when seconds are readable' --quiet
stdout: **1:52**
